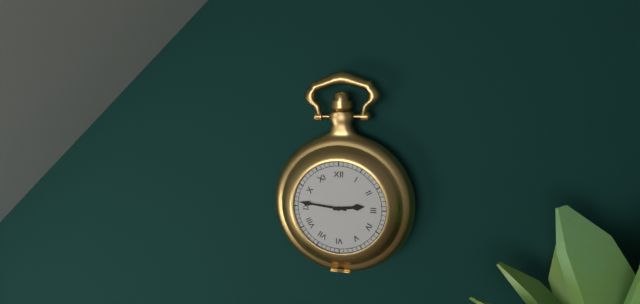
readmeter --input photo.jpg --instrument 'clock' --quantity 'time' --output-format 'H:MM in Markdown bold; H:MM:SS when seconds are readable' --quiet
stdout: **2:46**
